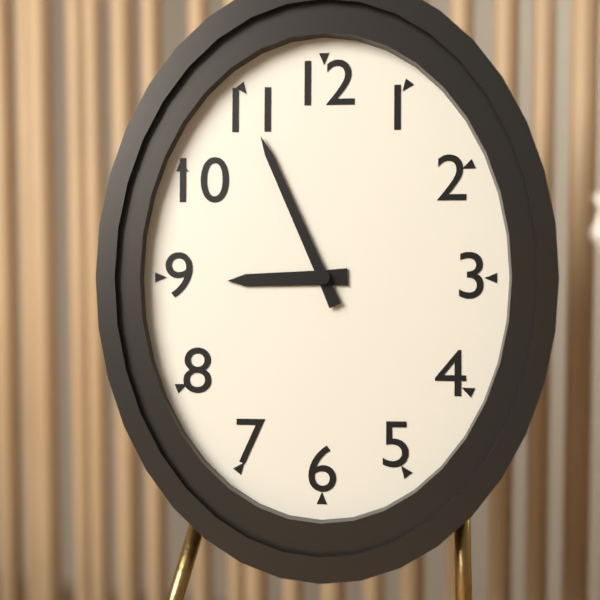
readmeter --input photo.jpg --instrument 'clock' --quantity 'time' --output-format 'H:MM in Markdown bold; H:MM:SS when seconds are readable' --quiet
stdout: **8:56**
